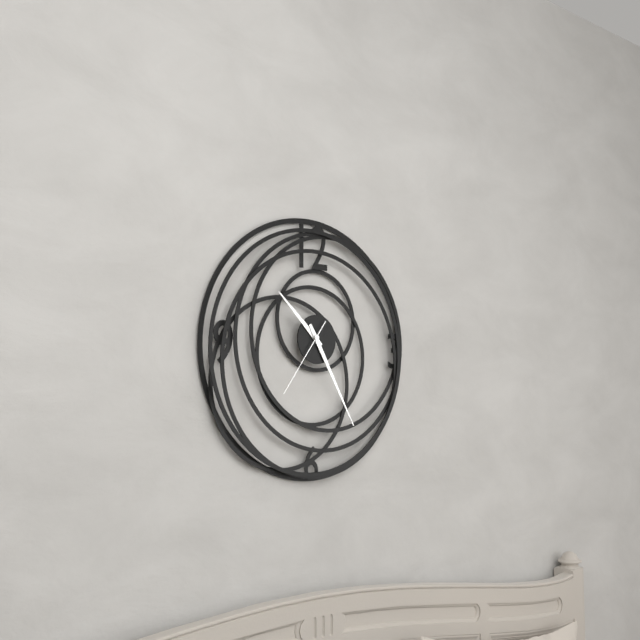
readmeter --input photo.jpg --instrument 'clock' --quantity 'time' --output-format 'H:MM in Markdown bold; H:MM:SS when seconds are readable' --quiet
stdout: **10:25:36**
